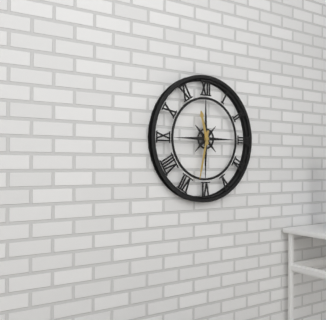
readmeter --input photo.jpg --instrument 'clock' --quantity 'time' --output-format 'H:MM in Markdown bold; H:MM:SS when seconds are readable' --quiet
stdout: **11:32**
